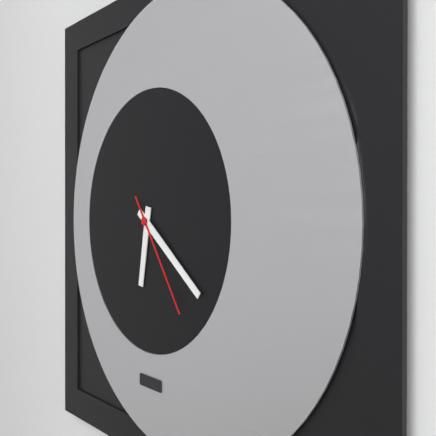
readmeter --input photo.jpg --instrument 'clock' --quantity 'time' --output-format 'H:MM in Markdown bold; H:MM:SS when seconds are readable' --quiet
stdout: **6:21:24**
